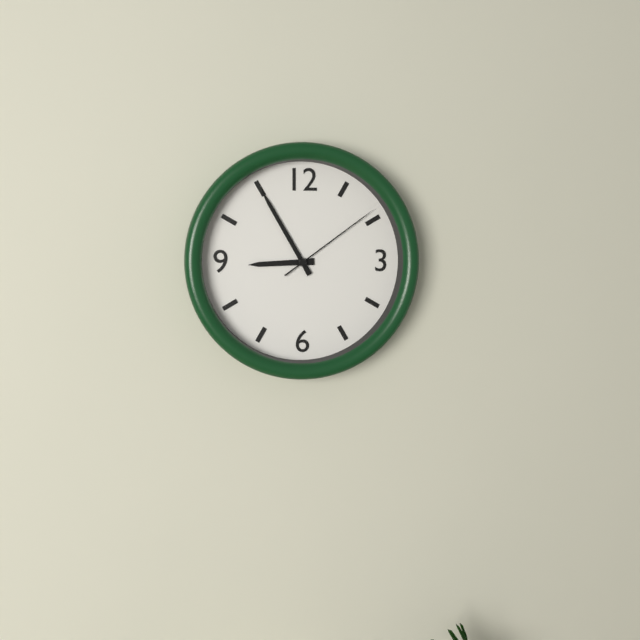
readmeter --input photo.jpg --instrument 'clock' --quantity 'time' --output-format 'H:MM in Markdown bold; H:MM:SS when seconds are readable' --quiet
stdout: **8:55:09**
